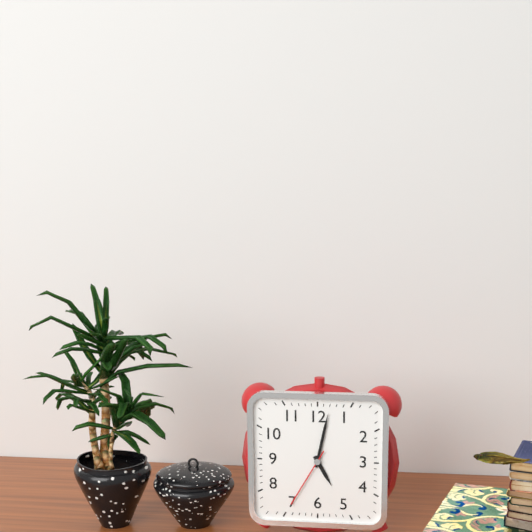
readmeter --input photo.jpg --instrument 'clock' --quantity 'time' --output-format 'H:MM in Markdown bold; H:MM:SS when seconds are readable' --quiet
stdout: **5:02:35**
